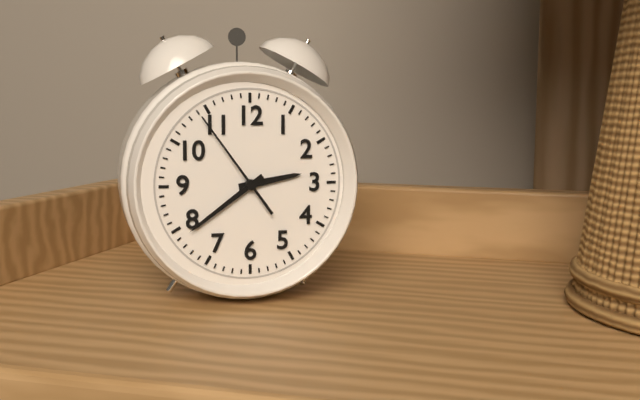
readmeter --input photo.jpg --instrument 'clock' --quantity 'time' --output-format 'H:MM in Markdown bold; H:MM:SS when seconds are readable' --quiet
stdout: **2:39:54**
